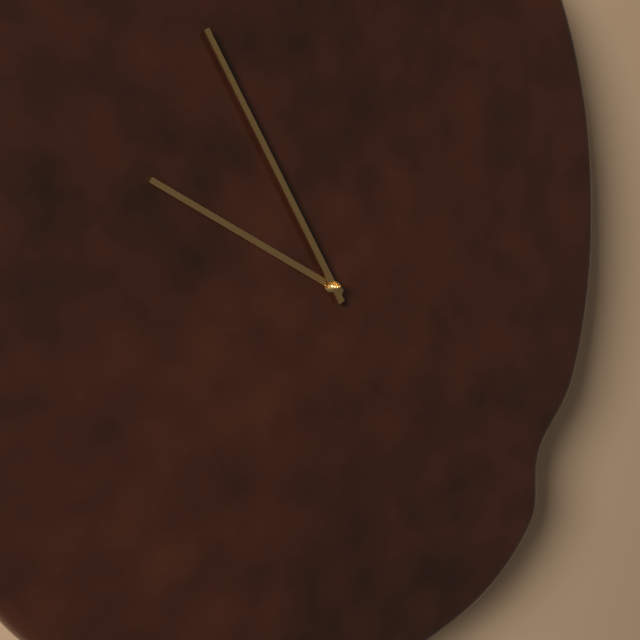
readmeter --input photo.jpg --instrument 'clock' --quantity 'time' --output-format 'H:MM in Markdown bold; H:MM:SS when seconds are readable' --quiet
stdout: **9:55**
